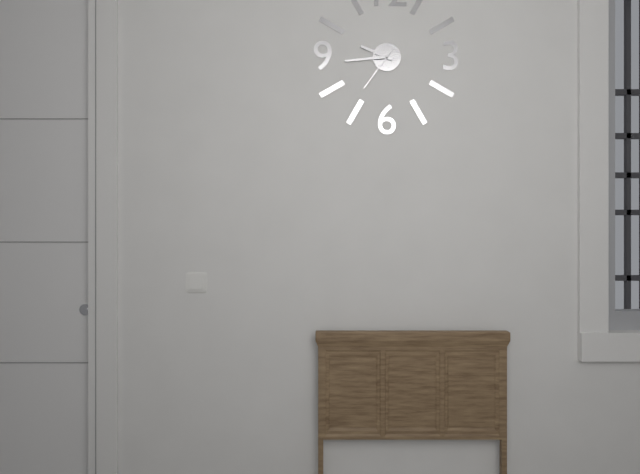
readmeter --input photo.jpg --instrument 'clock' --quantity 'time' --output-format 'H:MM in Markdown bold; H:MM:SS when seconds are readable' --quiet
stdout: **9:44**
